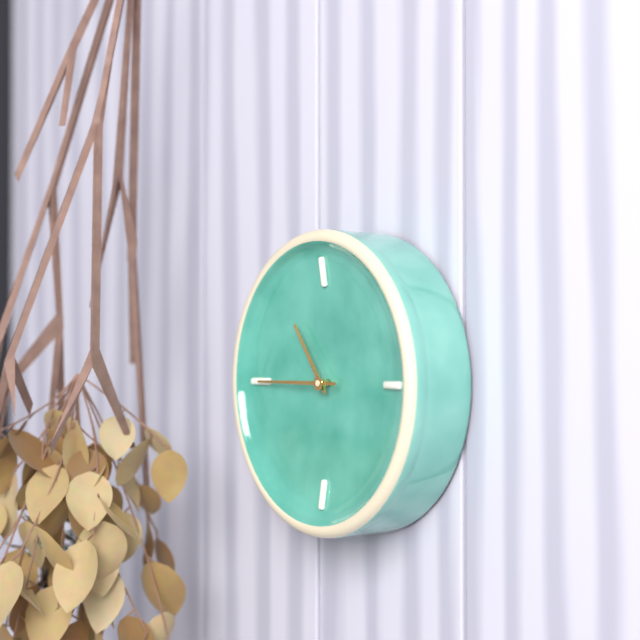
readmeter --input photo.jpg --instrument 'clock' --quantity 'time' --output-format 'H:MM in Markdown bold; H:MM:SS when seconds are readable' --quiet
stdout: **10:45**
